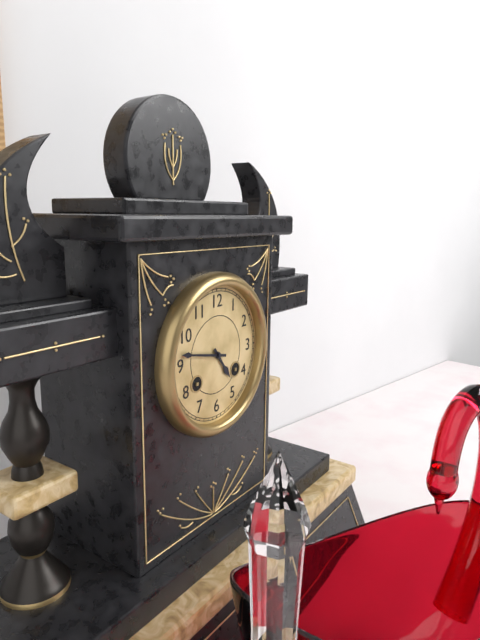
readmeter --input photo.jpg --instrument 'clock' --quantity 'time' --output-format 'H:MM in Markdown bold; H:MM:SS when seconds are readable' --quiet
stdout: **4:47**
